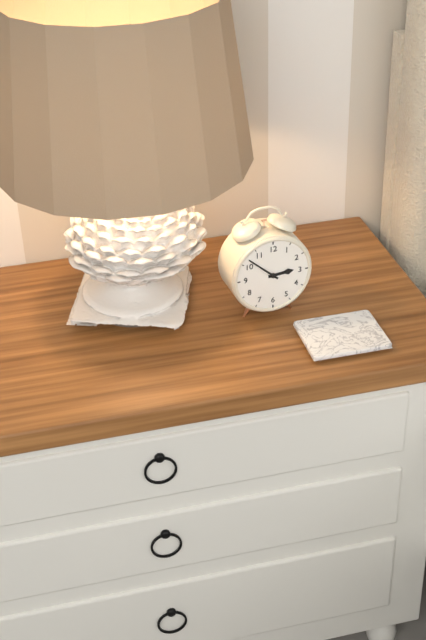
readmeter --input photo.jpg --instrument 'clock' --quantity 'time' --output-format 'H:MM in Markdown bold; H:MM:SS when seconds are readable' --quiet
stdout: **2:52**
